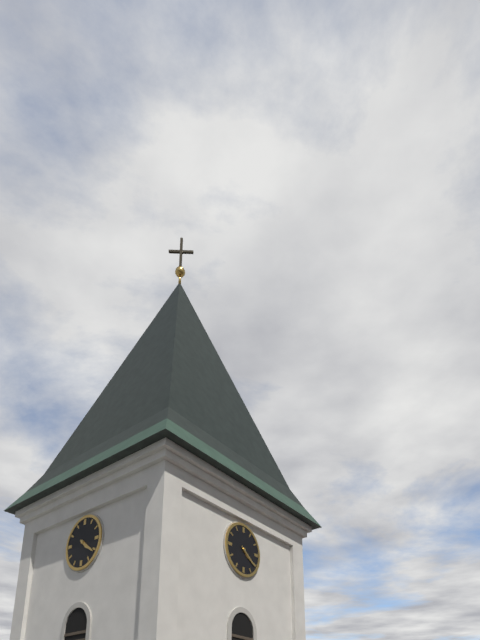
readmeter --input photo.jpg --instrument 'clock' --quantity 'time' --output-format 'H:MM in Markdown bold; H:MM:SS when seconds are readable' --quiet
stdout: **4:21**
